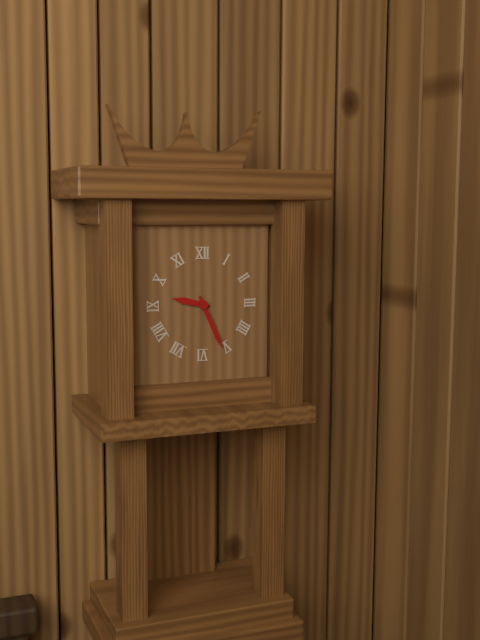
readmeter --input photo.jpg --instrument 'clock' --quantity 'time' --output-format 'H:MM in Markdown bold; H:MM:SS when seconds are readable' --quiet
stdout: **9:26**
